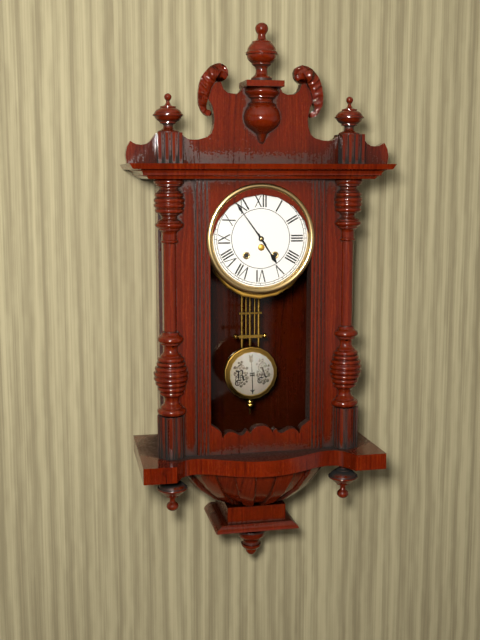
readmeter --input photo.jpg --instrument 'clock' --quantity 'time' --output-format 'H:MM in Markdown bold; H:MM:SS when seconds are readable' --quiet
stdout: **4:54**
